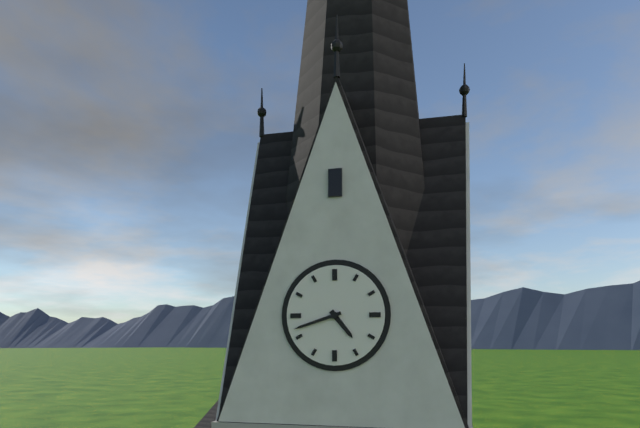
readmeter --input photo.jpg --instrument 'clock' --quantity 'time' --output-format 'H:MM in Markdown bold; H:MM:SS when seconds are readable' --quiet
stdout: **4:42**
